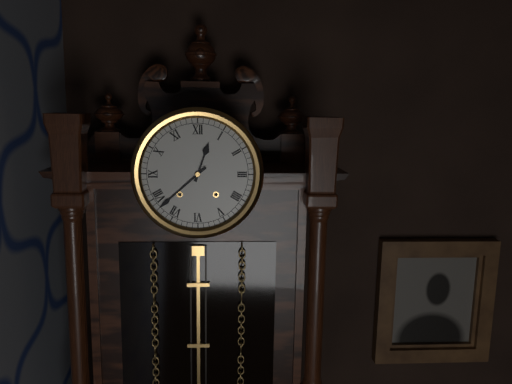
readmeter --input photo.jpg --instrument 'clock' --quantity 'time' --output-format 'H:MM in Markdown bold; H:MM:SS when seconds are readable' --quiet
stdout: **12:38**
